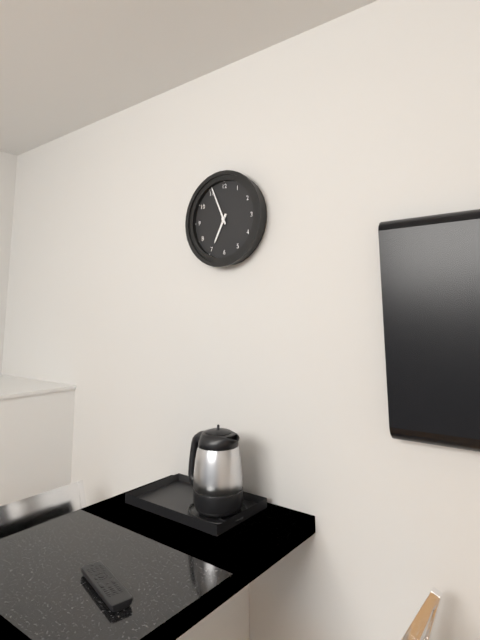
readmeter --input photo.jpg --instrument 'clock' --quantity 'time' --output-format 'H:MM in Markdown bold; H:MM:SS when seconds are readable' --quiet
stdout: **6:56**
